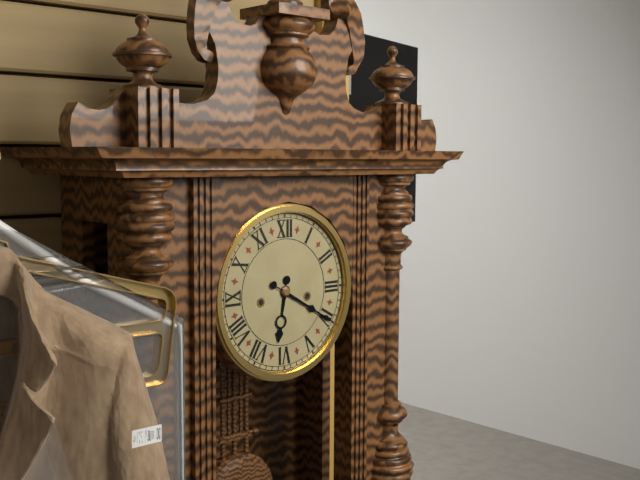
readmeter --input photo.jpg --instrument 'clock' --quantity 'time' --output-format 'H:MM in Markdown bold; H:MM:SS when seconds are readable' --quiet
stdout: **6:20**
